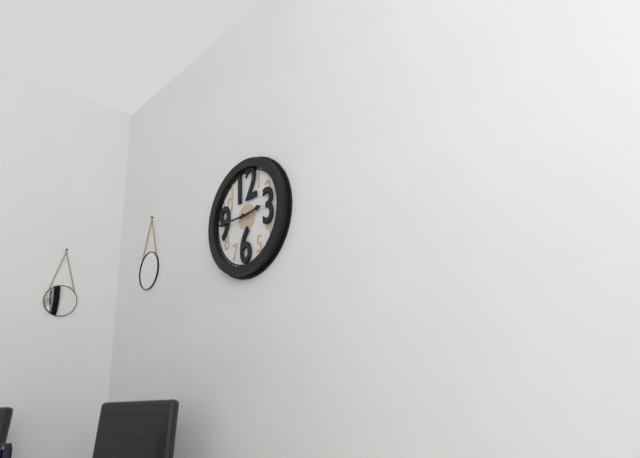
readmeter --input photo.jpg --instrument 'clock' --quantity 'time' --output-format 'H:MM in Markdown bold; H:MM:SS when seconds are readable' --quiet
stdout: **2:45**
